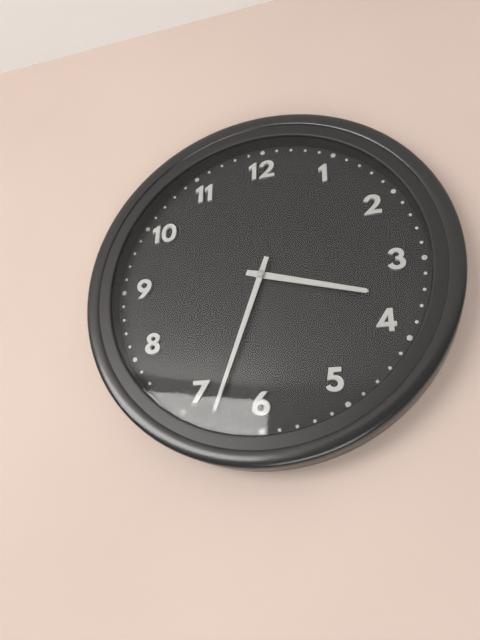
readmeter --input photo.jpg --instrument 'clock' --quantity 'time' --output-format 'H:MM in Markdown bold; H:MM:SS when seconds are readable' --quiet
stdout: **3:33**
